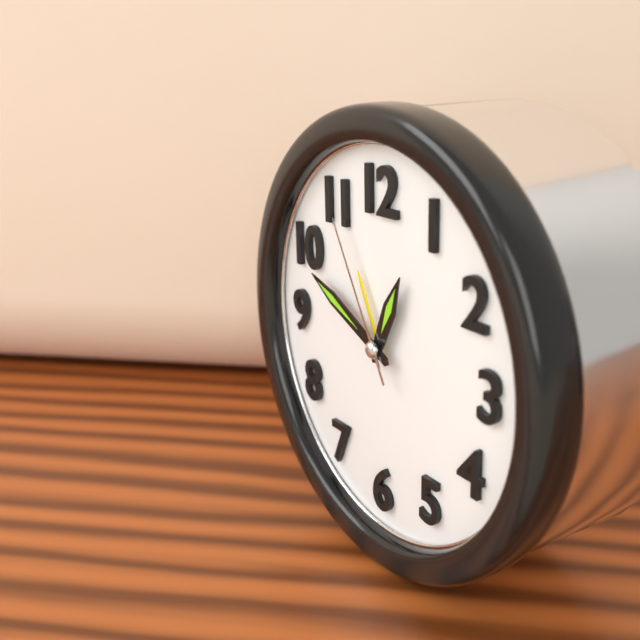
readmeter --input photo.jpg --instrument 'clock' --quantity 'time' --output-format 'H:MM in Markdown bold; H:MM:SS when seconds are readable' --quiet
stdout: **12:49:55**
